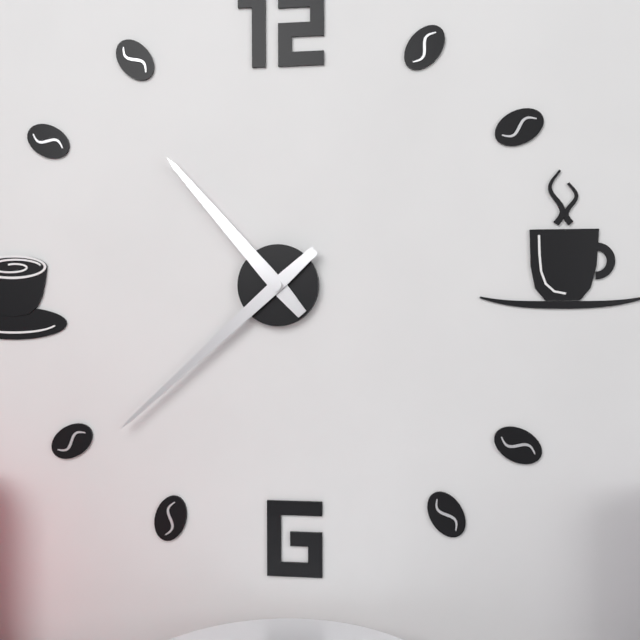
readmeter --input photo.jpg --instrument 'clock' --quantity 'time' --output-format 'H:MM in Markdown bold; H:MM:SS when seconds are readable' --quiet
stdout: **10:38**
